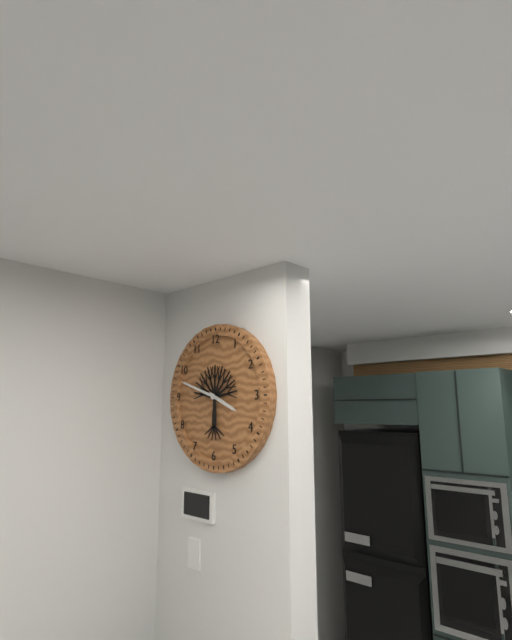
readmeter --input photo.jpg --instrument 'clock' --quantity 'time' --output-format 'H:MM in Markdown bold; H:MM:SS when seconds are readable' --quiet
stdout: **3:48**
